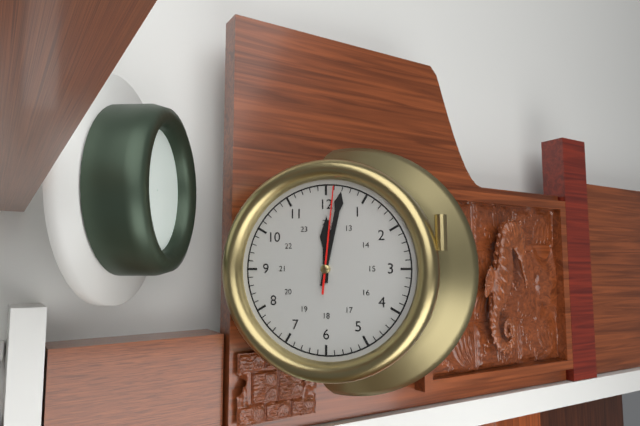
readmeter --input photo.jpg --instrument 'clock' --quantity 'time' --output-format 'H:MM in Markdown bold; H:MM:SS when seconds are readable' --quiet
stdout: **12:02:01**
